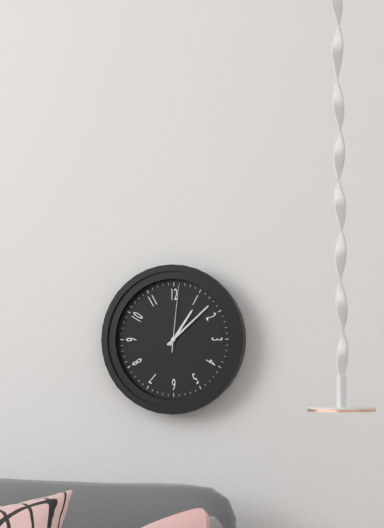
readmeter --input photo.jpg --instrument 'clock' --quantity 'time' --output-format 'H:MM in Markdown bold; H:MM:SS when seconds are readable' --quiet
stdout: **1:08:01**
